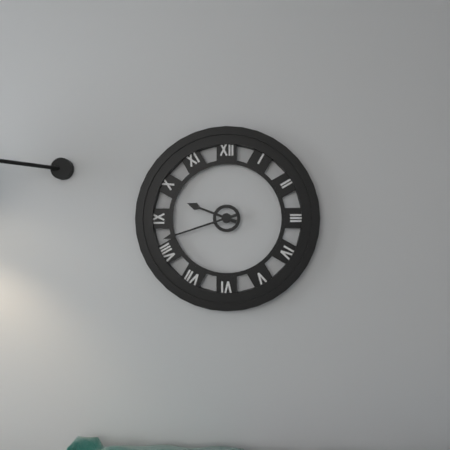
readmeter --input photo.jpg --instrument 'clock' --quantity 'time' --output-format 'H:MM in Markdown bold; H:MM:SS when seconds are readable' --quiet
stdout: **9:42**
